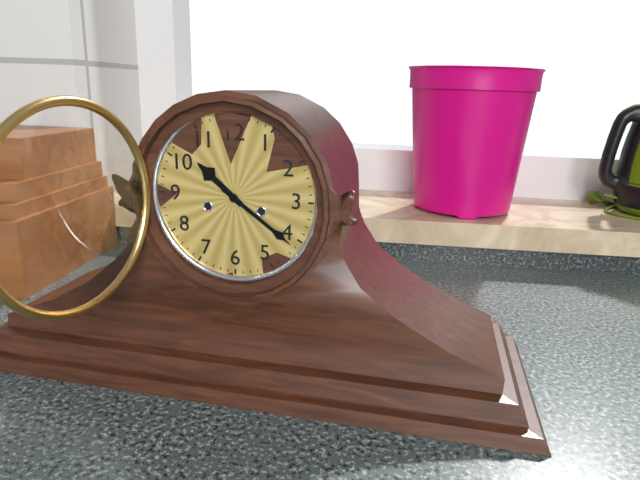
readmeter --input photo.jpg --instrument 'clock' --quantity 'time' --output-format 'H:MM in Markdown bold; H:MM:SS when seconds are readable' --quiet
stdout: **10:21**
